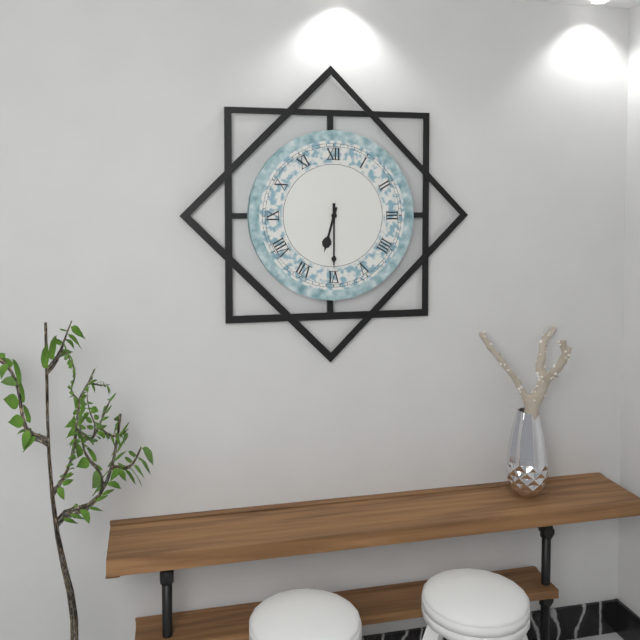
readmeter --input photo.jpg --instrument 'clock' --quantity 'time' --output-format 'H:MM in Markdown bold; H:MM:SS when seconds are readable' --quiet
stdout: **6:30**
